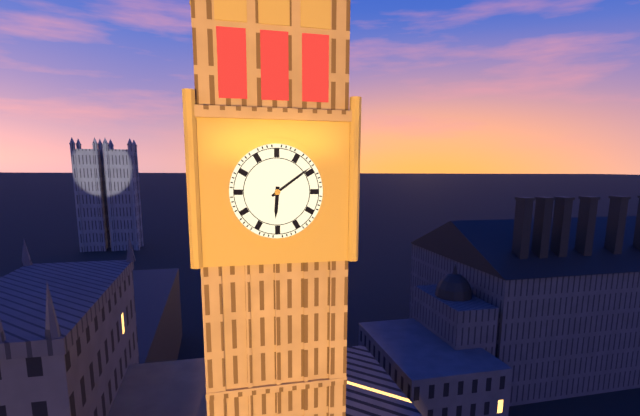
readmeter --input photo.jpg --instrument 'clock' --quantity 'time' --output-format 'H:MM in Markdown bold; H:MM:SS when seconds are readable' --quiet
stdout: **6:09**
